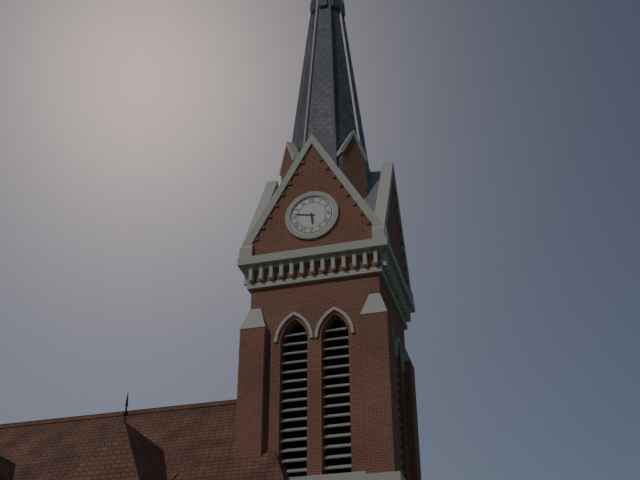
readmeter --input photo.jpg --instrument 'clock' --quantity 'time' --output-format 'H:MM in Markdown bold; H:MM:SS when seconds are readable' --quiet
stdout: **5:47**
